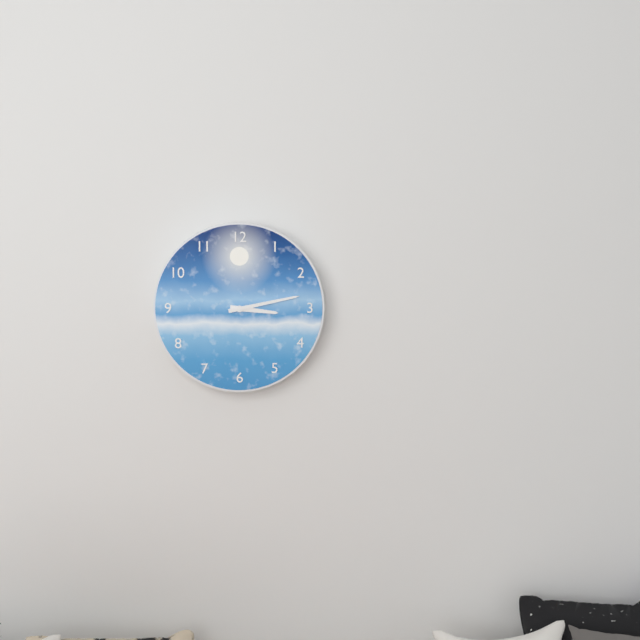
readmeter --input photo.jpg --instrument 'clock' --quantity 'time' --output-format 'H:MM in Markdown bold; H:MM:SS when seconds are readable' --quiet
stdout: **3:13**
